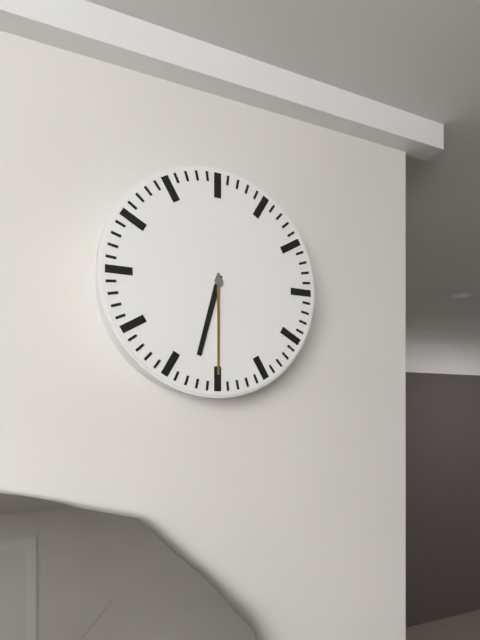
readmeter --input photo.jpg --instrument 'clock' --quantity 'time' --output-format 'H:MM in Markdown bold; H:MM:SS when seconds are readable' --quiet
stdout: **6:30**
